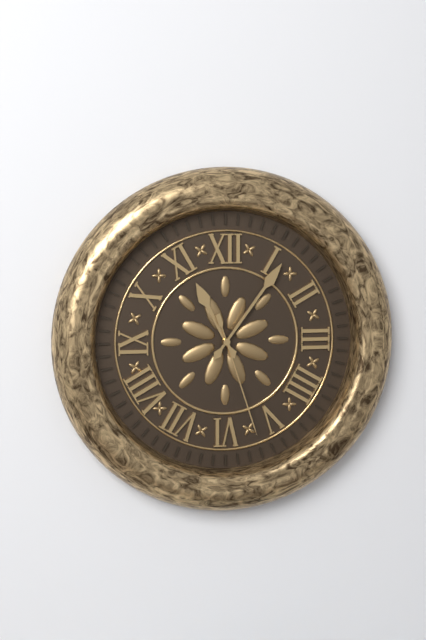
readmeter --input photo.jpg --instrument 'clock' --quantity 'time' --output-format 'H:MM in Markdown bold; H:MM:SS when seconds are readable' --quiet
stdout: **11:06:27**
